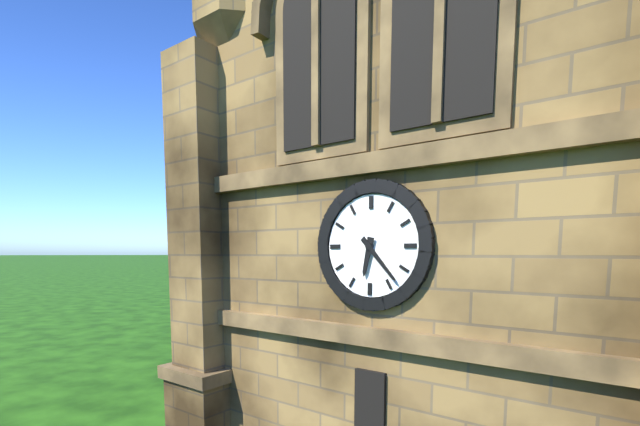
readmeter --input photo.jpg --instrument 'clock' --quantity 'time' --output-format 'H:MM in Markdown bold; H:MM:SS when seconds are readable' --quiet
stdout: **6:23**
